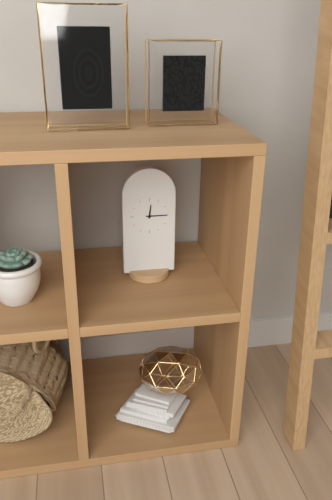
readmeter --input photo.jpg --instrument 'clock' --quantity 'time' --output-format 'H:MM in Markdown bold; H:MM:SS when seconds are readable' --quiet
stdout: **12:15**
